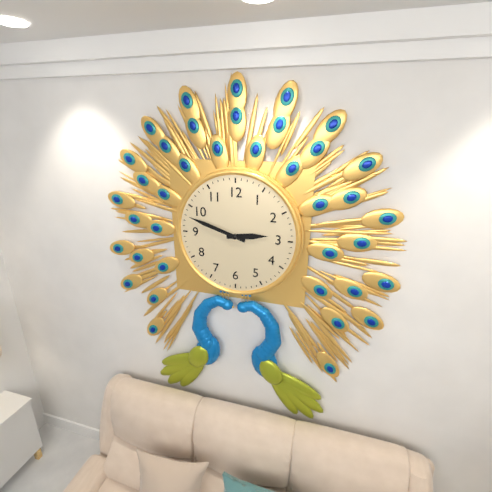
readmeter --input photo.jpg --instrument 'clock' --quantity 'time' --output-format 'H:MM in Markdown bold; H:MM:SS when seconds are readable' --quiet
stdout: **2:48**
